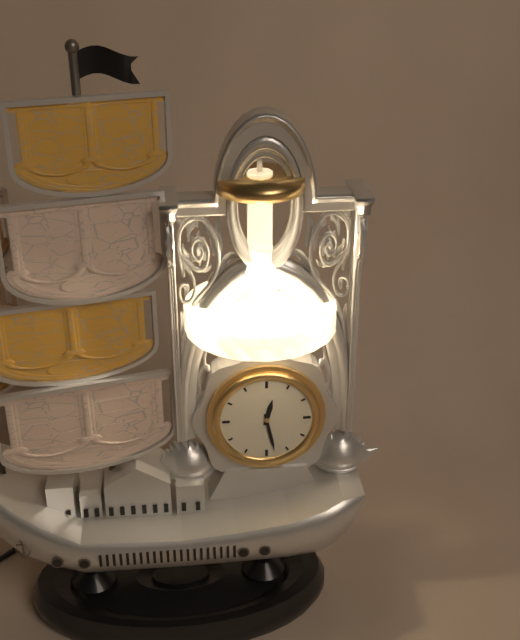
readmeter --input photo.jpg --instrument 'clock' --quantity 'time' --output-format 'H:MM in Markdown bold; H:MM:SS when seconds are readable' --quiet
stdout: **12:28**
